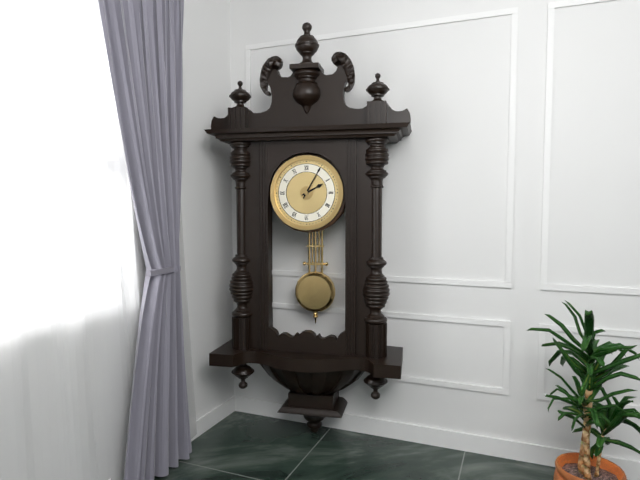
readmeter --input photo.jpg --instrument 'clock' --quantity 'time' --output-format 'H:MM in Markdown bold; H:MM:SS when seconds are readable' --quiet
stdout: **2:05**
